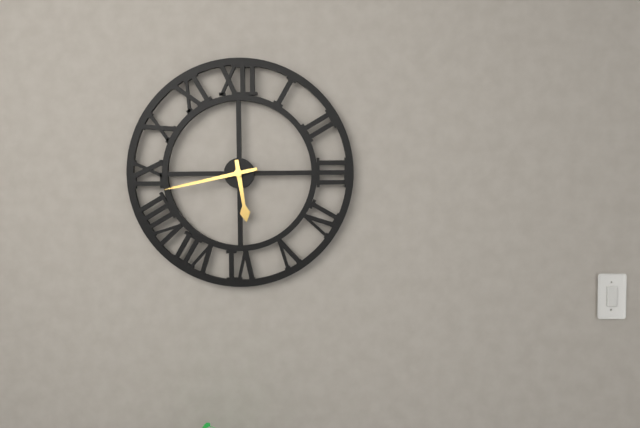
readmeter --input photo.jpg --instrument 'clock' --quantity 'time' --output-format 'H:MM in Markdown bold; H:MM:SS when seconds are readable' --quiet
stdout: **5:43**
